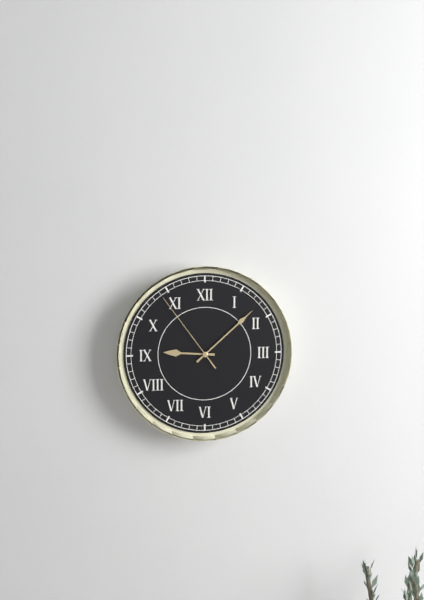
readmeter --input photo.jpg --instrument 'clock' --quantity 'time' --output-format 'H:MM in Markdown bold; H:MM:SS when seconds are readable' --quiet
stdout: **9:08:54**
